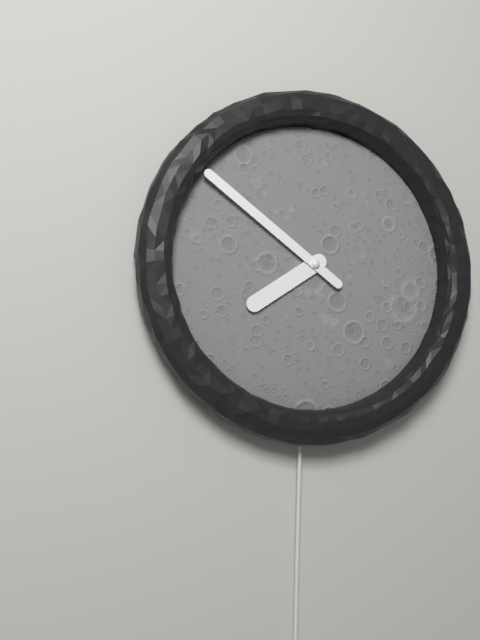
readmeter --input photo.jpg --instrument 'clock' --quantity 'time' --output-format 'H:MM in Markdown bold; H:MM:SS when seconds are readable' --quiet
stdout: **7:51**
